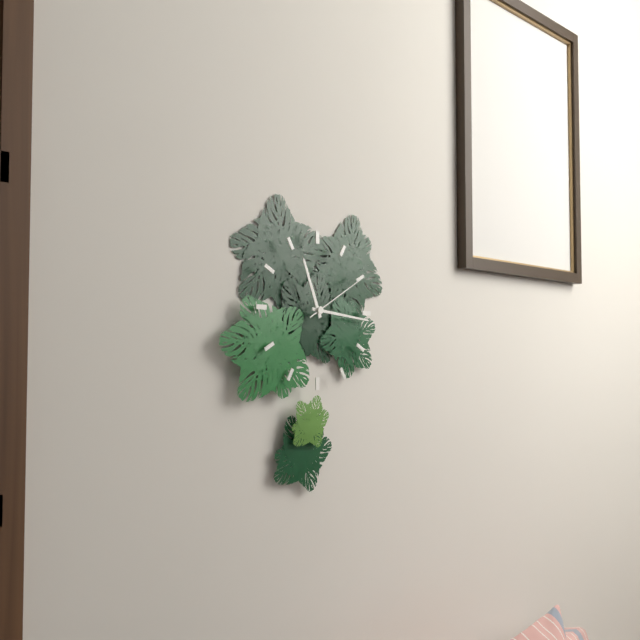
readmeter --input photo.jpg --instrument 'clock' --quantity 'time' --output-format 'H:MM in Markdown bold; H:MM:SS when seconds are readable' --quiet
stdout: **11:16:10**
